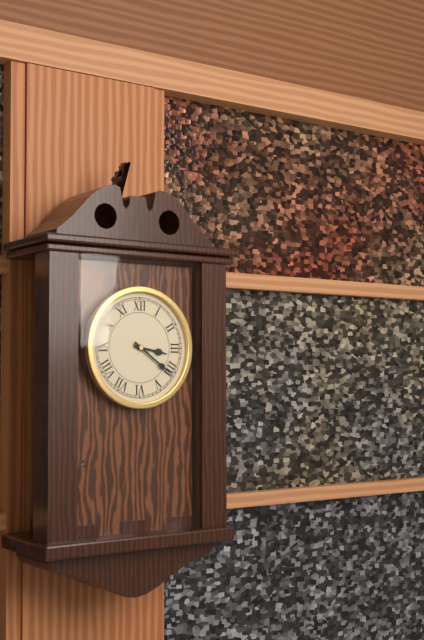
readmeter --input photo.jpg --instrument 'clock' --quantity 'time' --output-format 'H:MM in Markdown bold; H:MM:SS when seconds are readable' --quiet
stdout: **3:21**
